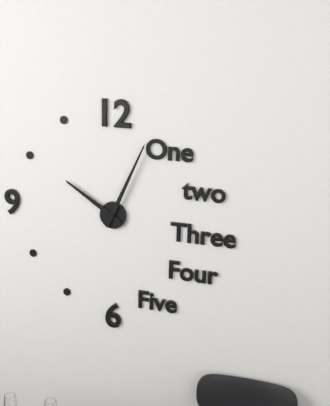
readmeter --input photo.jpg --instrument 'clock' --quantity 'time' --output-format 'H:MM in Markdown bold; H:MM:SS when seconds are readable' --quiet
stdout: **10:04**
